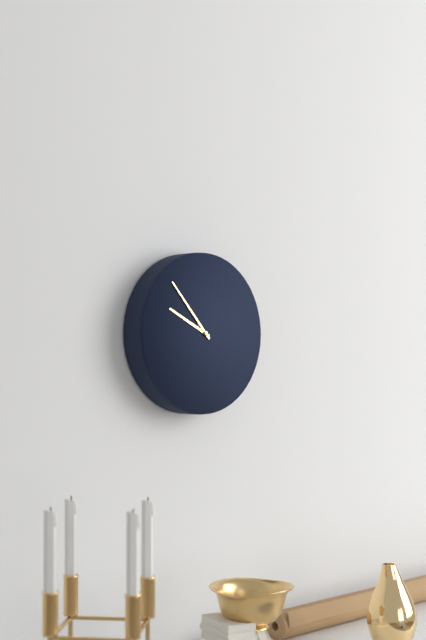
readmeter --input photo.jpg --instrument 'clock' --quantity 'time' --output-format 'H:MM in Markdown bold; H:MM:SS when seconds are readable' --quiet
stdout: **9:53**
